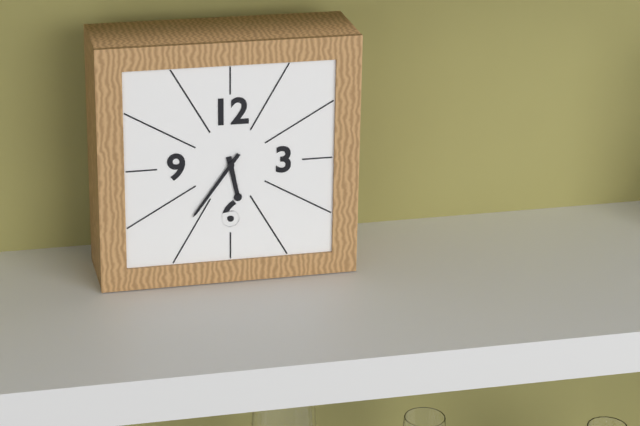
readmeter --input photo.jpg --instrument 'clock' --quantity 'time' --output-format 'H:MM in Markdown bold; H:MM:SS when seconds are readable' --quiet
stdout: **5:36**
